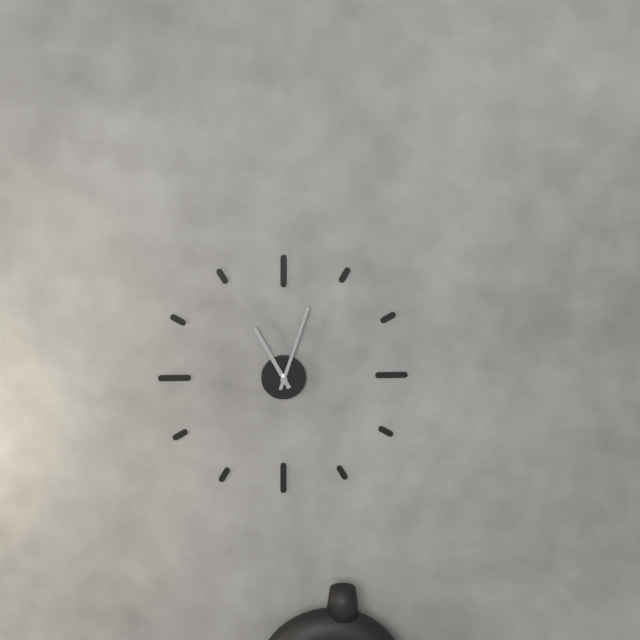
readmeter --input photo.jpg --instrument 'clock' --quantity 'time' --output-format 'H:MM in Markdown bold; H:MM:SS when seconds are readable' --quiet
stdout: **11:03**
